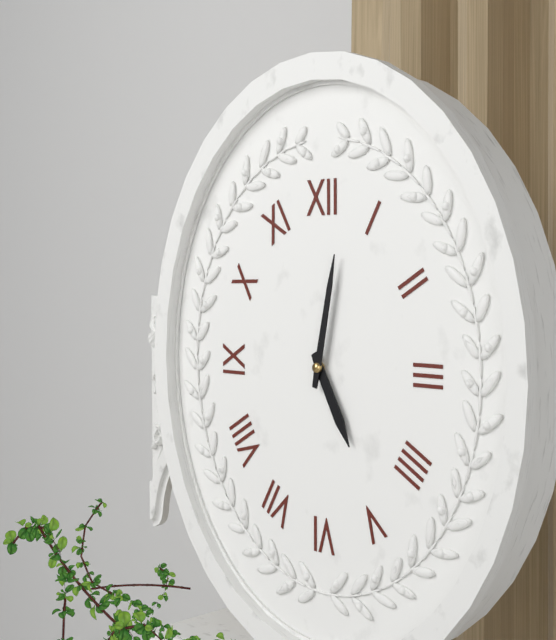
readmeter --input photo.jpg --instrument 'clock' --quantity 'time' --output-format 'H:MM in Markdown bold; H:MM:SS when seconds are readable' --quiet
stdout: **5:02**
